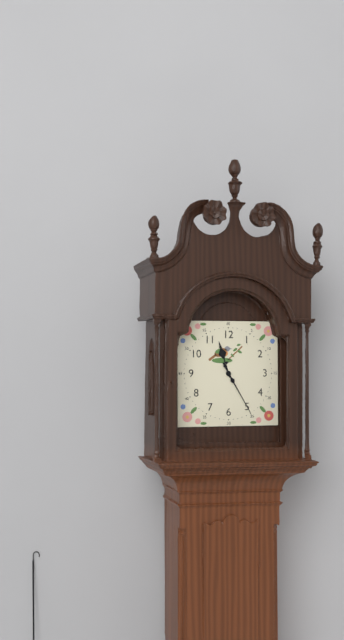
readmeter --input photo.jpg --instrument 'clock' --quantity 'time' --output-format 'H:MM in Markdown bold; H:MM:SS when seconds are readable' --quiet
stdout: **11:25**
